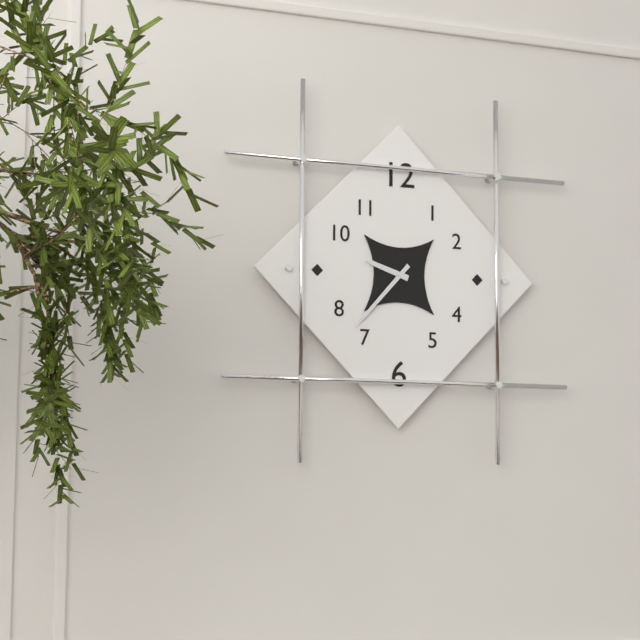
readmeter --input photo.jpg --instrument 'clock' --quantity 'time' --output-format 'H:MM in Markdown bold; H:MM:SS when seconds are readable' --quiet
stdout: **9:37**
